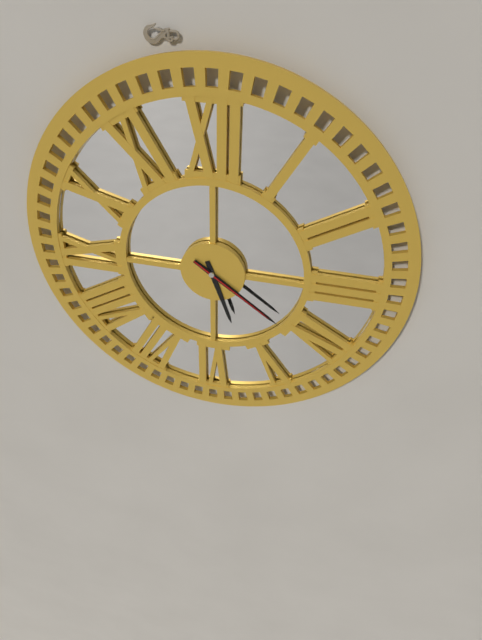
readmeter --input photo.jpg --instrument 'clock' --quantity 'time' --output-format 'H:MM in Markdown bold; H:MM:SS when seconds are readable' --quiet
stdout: **5:21:21**
